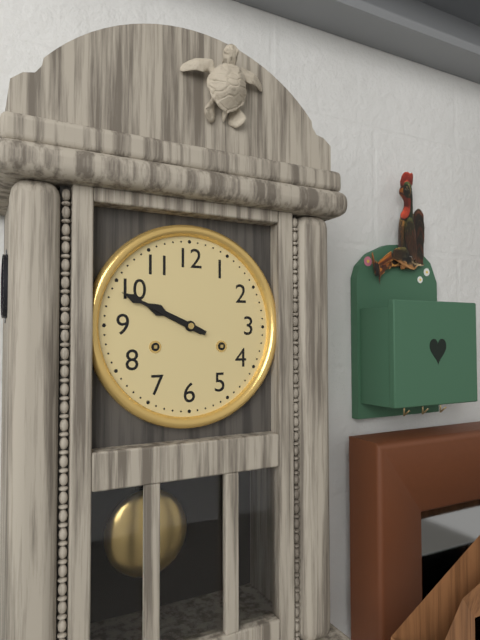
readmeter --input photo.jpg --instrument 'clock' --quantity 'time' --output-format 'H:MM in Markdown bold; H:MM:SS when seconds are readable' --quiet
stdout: **9:49**
